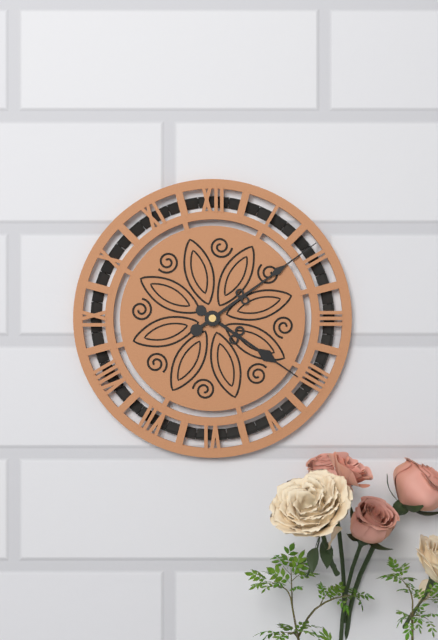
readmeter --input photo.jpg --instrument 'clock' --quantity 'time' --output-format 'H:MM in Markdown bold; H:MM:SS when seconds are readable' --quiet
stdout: **4:09**
